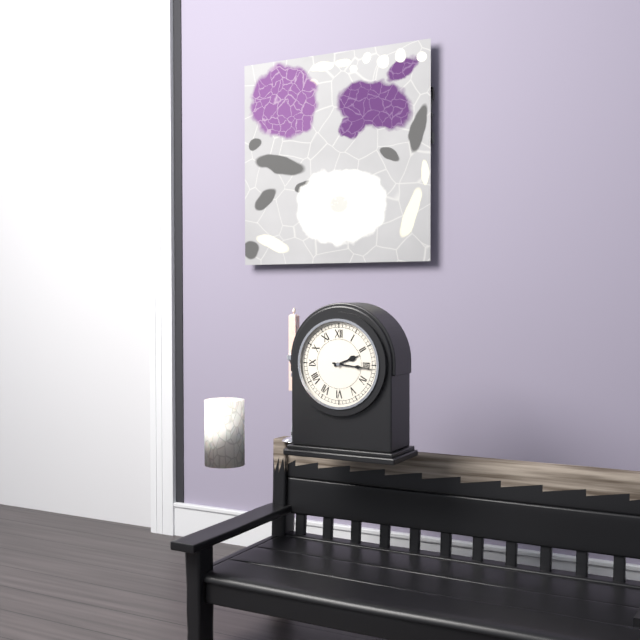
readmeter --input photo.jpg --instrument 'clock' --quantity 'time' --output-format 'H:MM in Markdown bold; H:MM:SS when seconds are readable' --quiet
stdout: **2:16**
